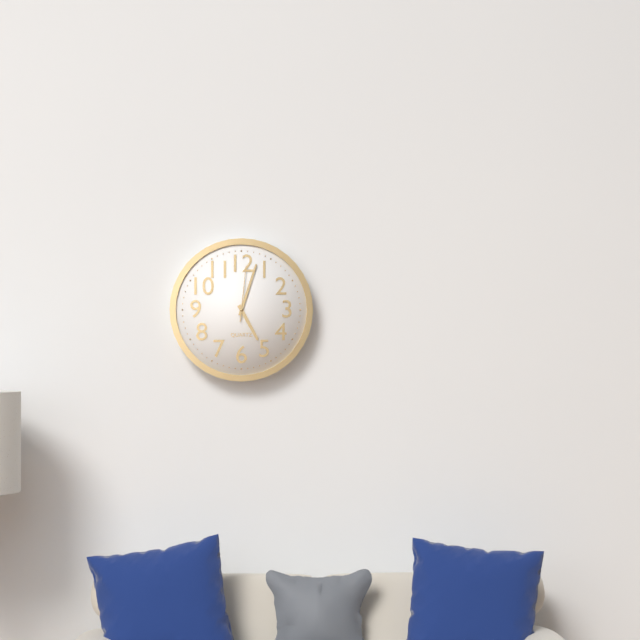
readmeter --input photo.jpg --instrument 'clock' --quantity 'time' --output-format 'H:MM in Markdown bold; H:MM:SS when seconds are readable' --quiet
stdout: **5:03:01**
